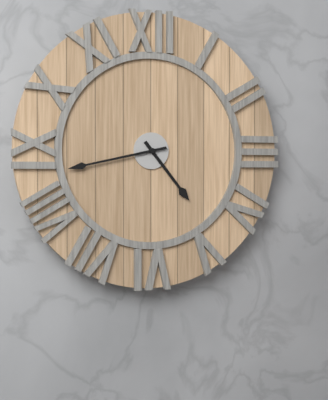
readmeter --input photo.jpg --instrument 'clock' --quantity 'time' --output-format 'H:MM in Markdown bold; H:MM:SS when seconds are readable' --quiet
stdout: **4:43**
